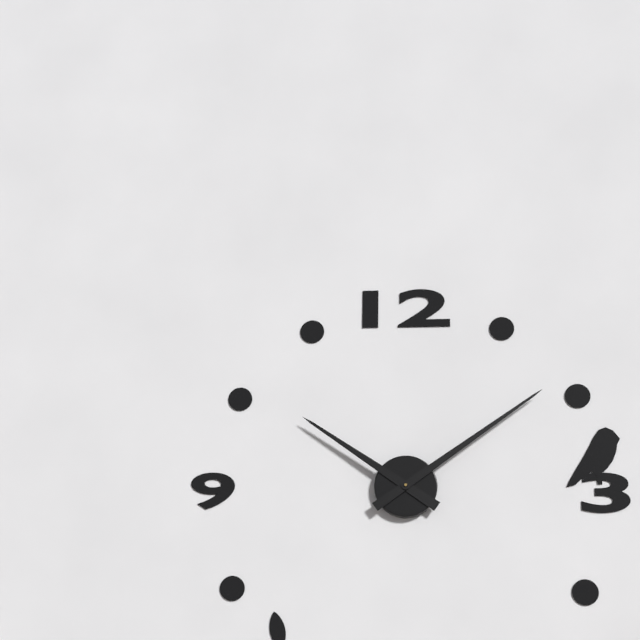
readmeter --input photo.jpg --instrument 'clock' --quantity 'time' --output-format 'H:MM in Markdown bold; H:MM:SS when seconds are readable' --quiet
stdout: **10:09**
